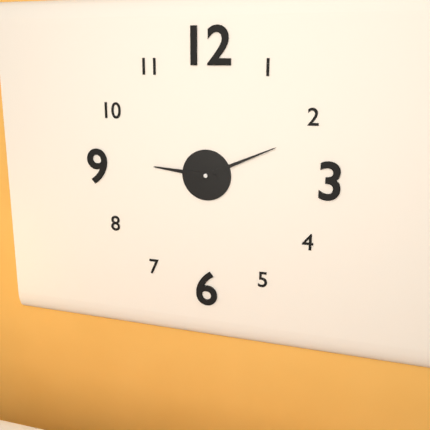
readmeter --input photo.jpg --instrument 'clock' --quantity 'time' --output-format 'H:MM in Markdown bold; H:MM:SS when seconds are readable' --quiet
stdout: **9:11**
